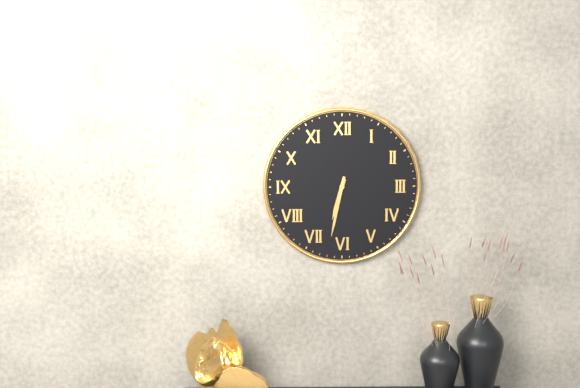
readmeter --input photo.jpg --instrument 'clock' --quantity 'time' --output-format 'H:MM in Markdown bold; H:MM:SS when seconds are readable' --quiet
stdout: **6:32**
